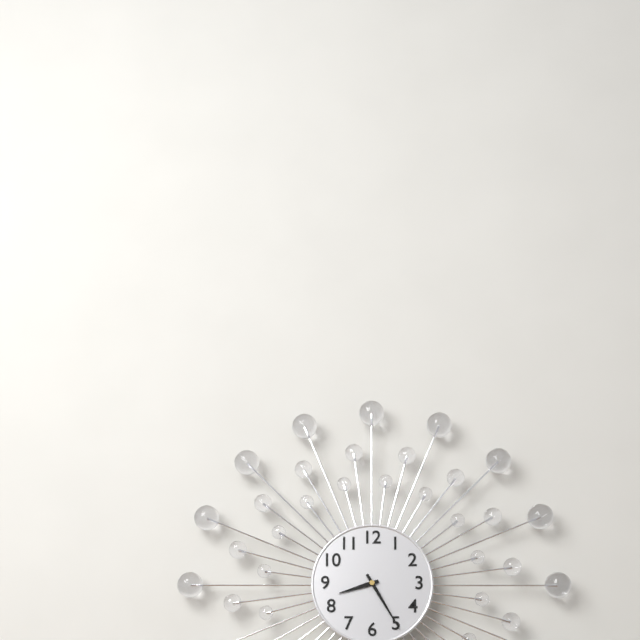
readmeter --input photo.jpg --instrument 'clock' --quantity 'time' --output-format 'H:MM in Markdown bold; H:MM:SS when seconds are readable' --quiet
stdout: **8:25**
